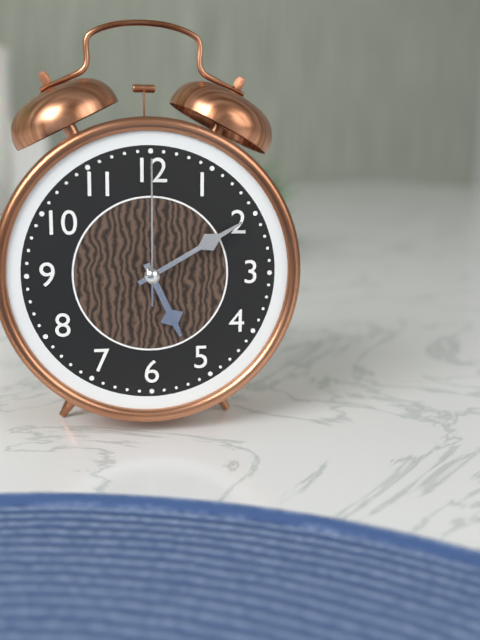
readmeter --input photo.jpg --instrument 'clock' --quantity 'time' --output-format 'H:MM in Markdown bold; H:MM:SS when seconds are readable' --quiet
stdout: **5:10:00**
